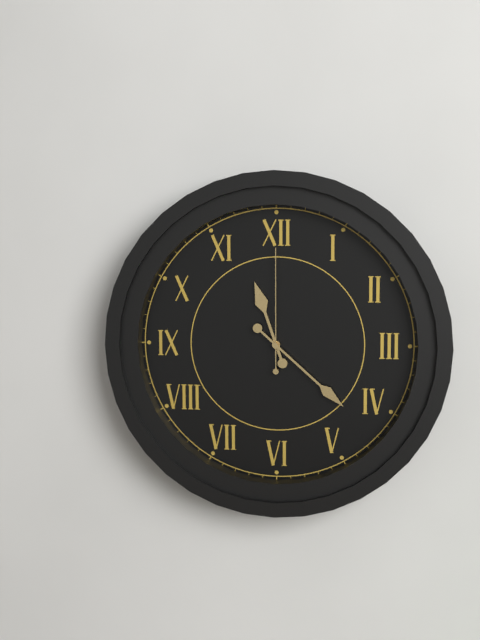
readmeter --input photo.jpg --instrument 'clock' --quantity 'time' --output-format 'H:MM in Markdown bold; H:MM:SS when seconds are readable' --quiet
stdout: **11:22:00**
